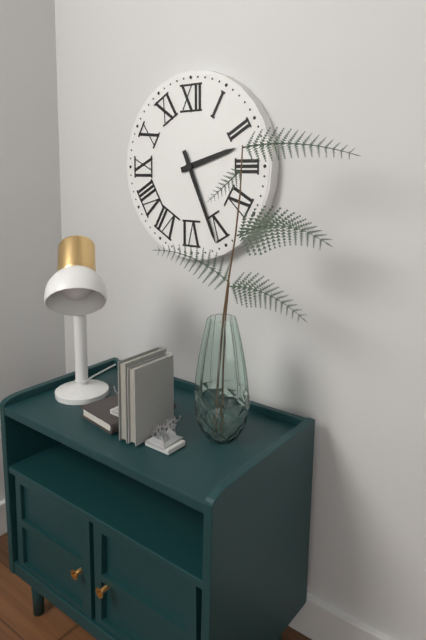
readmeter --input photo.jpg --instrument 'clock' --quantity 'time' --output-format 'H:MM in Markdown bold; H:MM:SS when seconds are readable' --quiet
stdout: **2:26**
